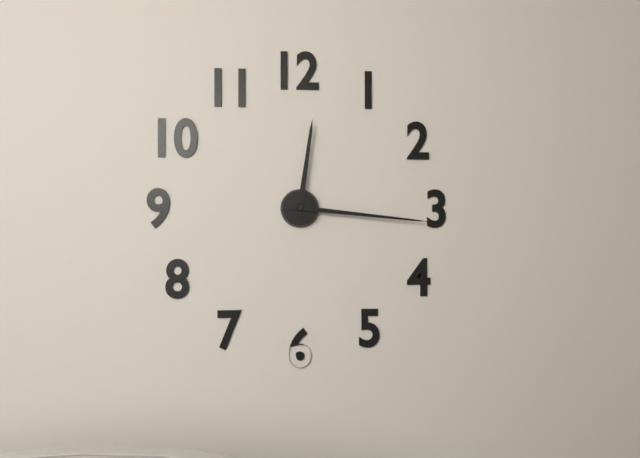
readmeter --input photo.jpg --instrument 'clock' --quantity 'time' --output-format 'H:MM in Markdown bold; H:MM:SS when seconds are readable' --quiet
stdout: **12:16**
